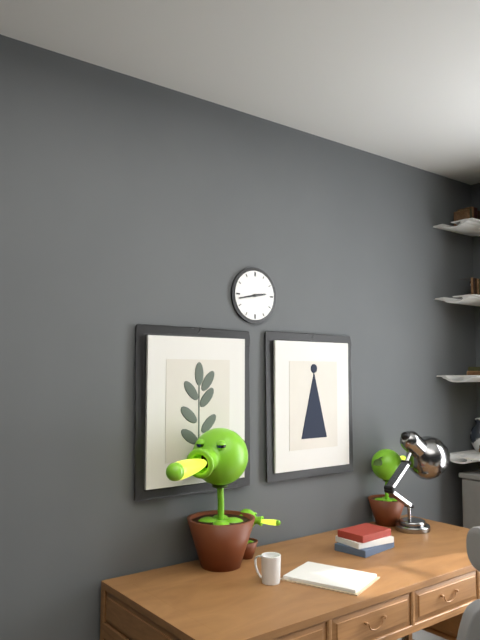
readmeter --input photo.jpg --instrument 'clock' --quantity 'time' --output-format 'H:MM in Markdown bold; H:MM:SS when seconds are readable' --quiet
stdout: **2:43**
